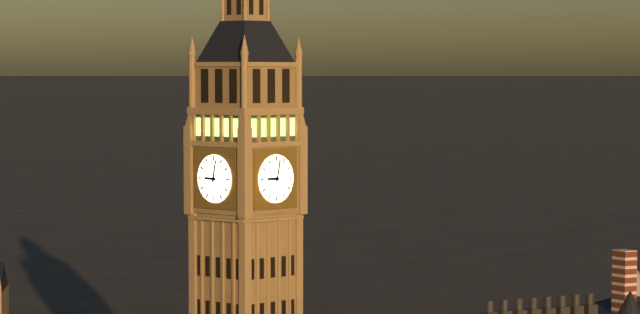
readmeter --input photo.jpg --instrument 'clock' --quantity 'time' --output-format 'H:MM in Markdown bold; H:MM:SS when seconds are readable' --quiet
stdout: **9:02**
